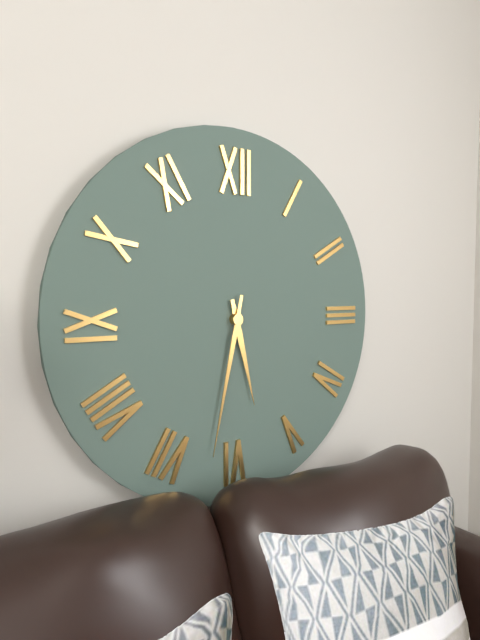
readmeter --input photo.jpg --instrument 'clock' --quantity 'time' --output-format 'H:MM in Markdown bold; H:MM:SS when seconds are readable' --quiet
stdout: **5:32**
